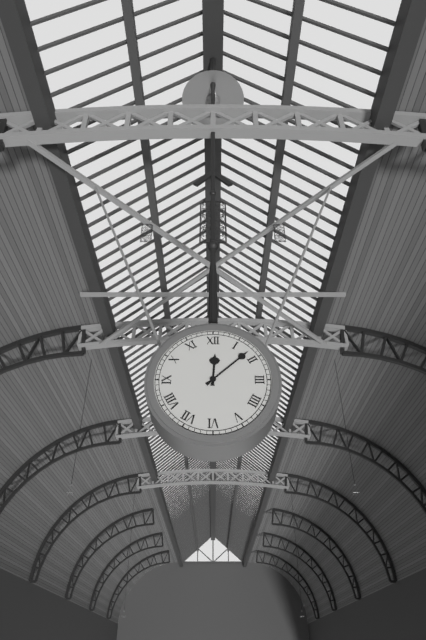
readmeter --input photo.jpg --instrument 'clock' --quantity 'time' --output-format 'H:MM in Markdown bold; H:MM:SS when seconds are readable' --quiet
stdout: **12:08**
